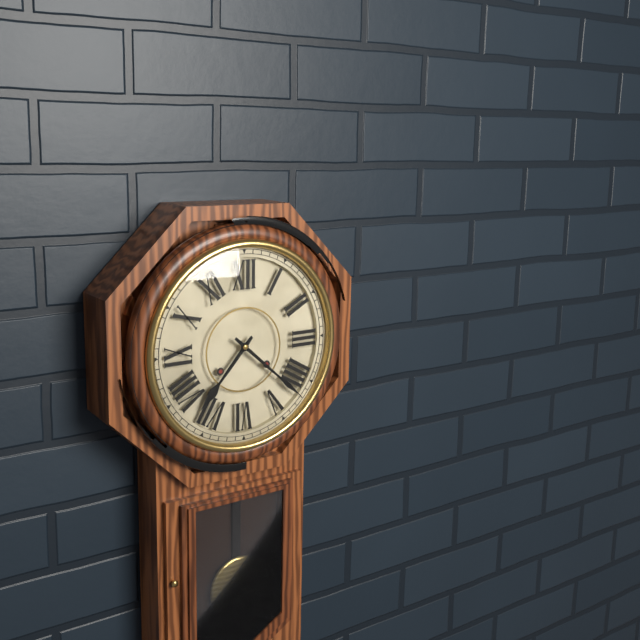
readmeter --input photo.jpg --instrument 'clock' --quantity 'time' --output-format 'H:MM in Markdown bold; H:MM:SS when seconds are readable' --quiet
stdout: **7:22**
